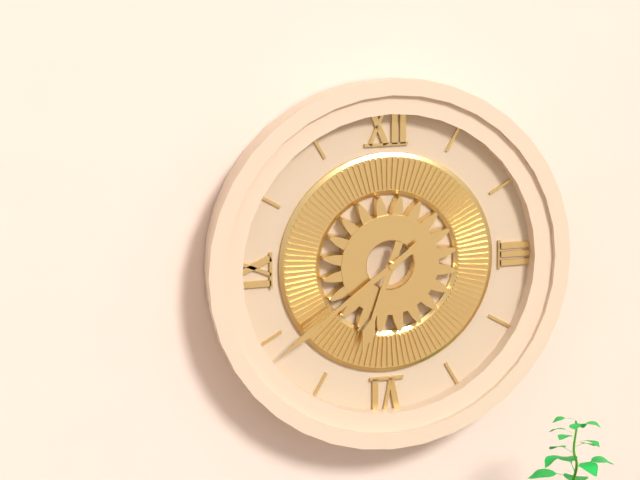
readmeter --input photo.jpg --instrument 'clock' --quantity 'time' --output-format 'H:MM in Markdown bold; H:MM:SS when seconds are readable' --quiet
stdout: **6:39**
